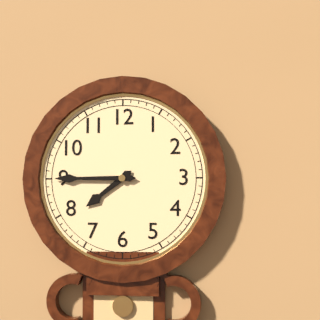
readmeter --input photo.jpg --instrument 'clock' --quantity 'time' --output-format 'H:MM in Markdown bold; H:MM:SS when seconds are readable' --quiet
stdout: **7:45**
